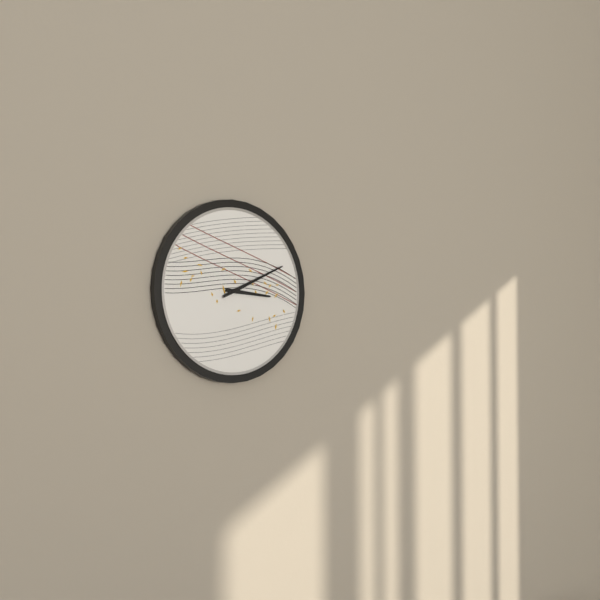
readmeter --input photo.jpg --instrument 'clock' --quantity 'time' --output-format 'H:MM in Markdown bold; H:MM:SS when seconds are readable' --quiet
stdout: **3:11**
